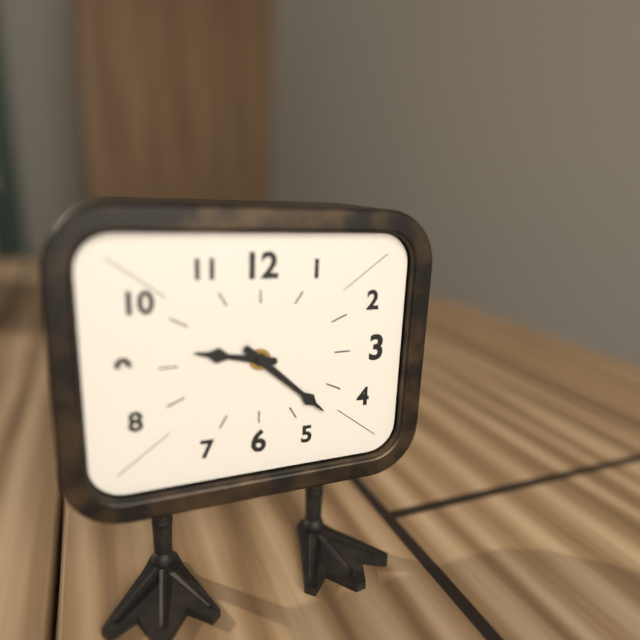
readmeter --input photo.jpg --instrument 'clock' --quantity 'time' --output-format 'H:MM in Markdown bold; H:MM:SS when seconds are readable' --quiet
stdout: **9:22**
